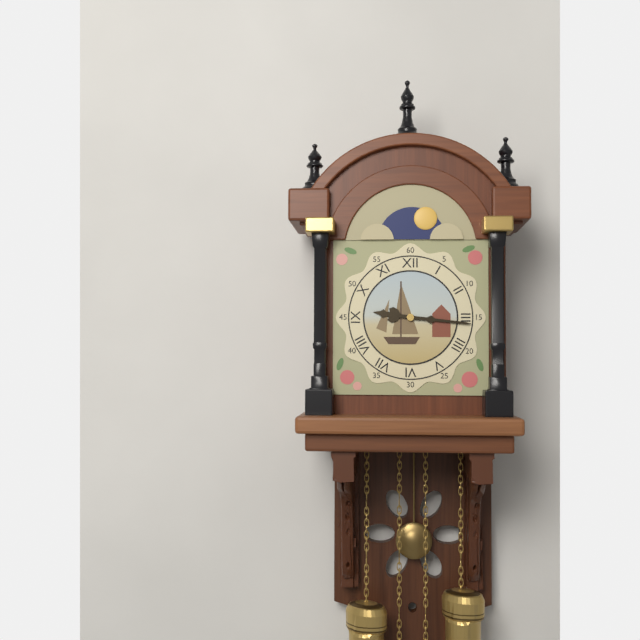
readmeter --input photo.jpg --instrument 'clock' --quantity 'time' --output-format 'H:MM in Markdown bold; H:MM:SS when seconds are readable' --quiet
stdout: **9:16**
